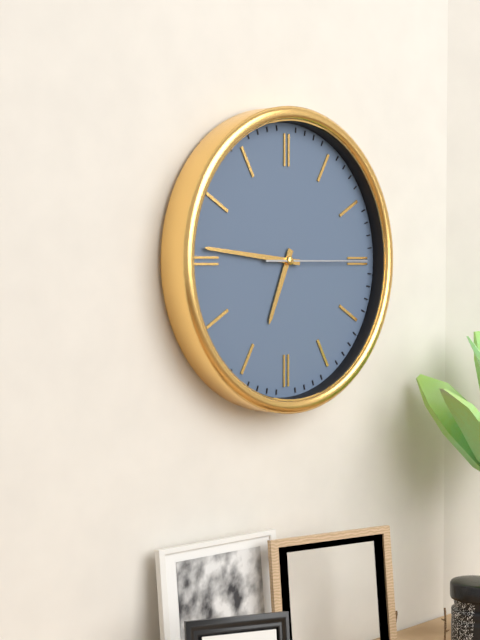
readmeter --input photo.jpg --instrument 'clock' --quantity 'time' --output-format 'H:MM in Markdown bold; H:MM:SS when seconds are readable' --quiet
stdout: **6:46:15**
